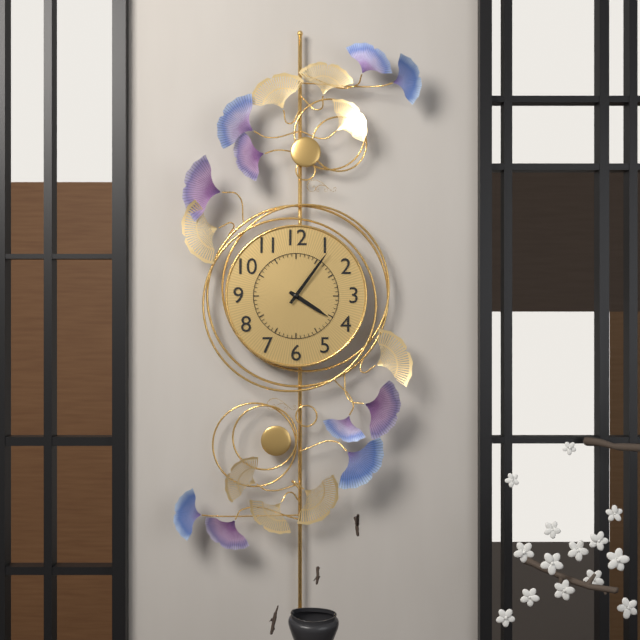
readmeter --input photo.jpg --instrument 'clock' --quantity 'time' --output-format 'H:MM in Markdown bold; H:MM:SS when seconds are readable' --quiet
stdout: **4:06**
